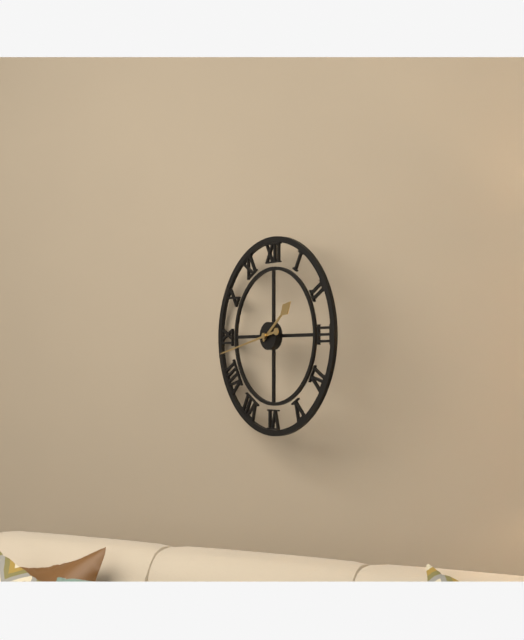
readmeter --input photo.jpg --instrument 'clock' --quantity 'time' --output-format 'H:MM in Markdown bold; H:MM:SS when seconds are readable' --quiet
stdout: **1:43**
